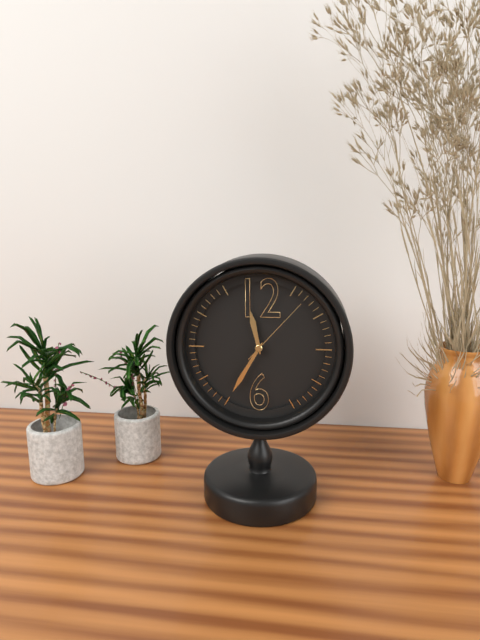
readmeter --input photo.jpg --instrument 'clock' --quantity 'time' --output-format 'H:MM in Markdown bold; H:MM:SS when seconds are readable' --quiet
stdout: **11:35:07**
